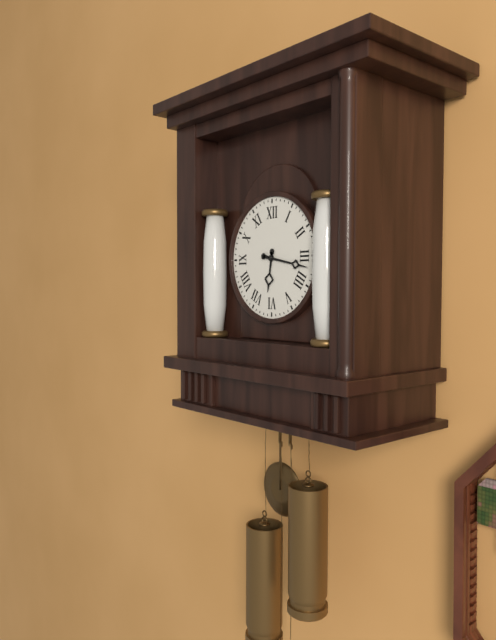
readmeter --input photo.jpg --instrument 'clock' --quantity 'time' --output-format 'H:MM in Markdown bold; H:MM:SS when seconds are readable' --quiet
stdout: **6:17**
